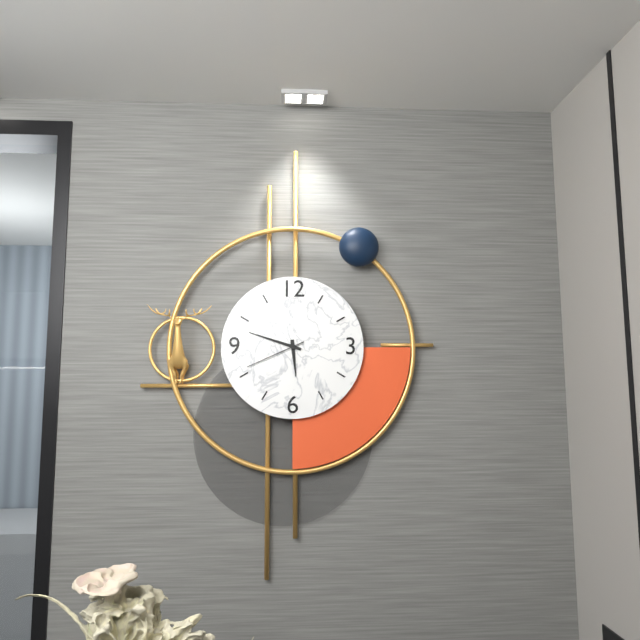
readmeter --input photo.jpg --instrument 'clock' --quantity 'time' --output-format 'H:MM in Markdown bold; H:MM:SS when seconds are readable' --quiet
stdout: **5:48:41**
